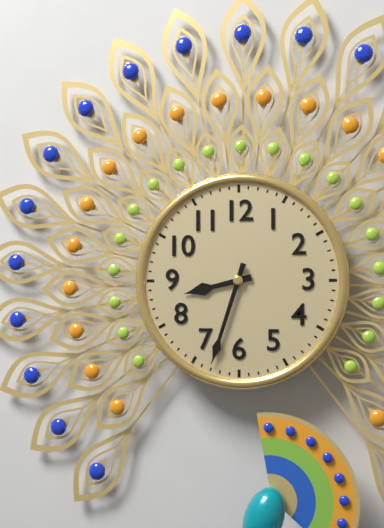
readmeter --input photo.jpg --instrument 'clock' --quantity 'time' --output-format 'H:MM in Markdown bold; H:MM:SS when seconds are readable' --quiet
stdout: **8:33**
